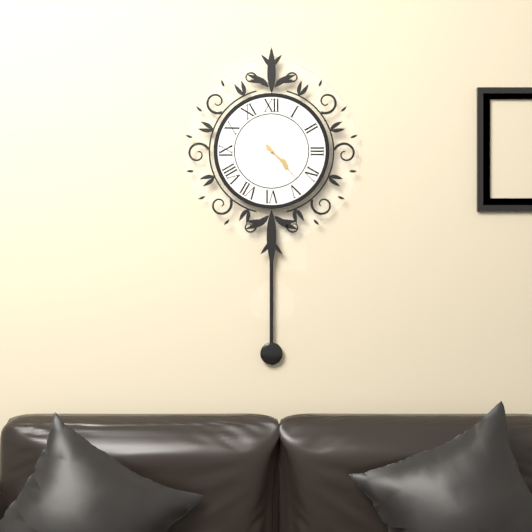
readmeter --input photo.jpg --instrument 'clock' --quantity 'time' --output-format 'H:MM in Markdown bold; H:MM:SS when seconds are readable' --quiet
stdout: **4:23**
